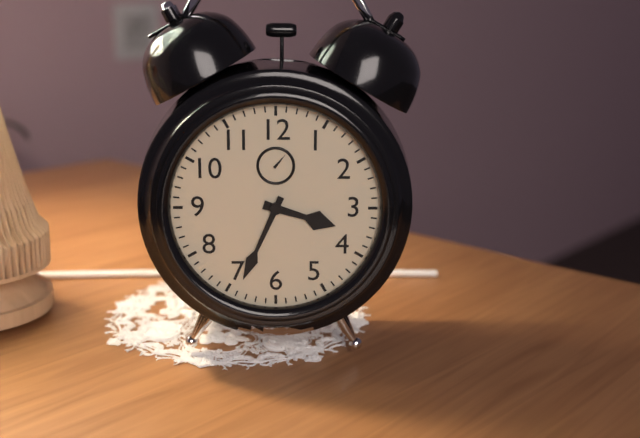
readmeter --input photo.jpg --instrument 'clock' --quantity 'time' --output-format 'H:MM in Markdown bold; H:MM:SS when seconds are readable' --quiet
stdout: **3:34**
